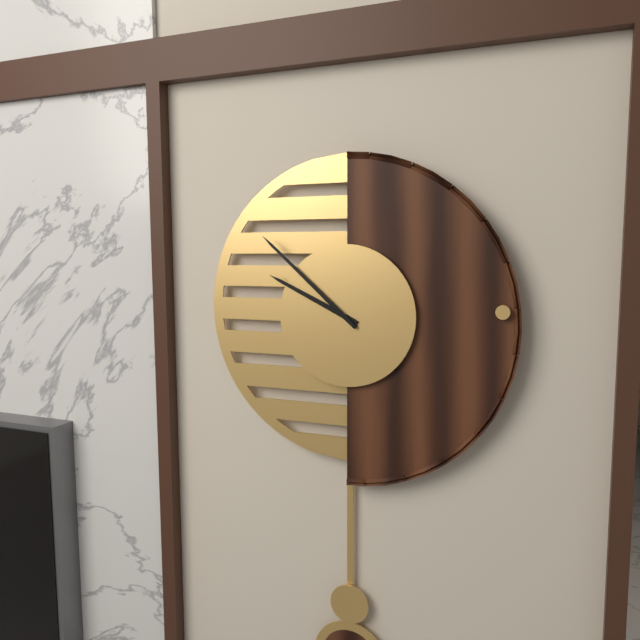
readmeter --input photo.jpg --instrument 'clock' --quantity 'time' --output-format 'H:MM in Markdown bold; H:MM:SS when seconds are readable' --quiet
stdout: **9:52**
